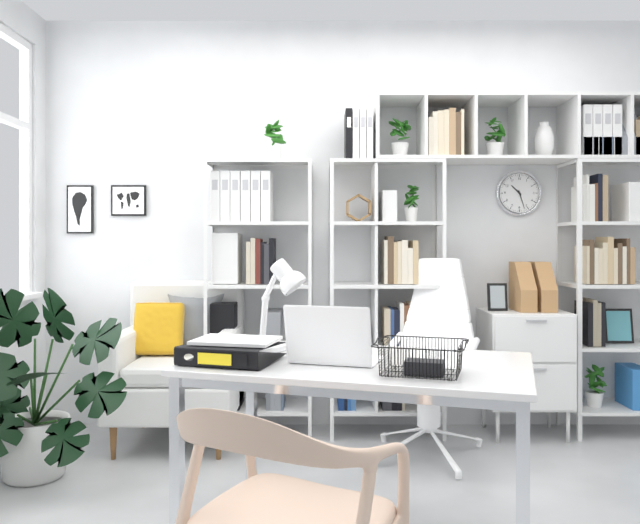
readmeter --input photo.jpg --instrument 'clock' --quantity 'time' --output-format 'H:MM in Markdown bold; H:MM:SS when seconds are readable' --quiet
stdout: **10:27**
